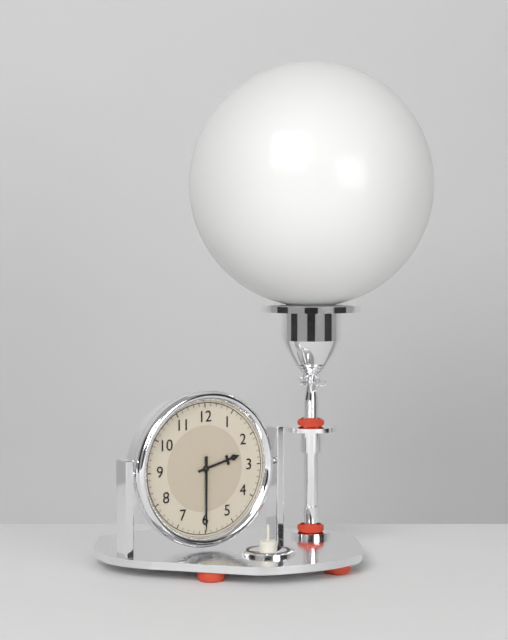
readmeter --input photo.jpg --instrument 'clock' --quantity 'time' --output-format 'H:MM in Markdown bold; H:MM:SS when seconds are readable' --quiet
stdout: **2:30**
